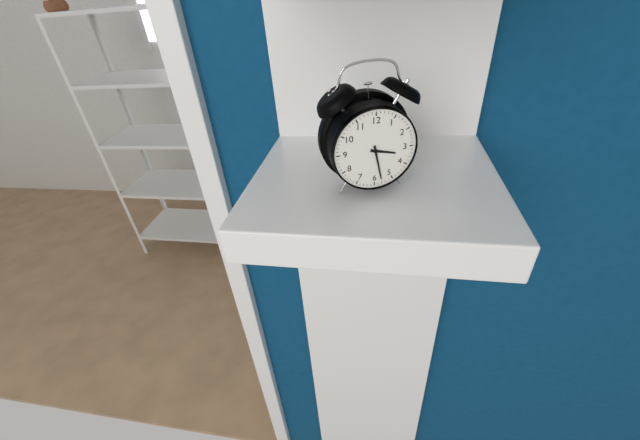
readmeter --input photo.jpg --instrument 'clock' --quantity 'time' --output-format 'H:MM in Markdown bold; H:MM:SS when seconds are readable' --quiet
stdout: **3:28**
